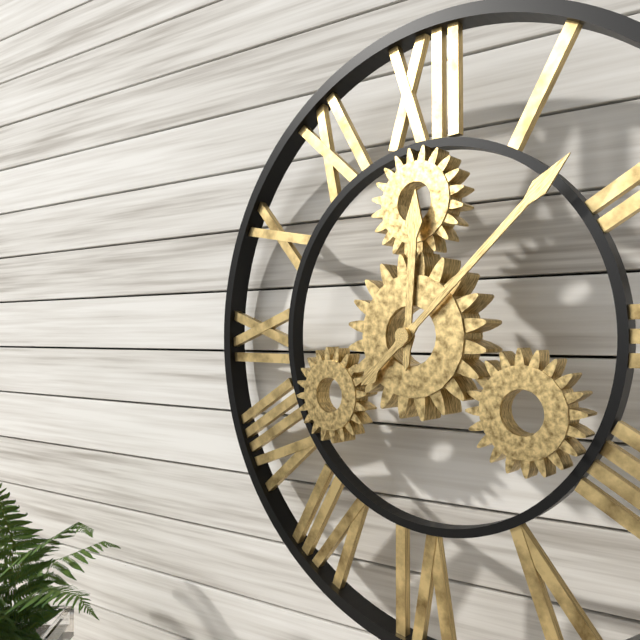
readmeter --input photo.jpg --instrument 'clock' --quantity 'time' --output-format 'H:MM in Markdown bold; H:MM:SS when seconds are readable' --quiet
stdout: **12:08**
